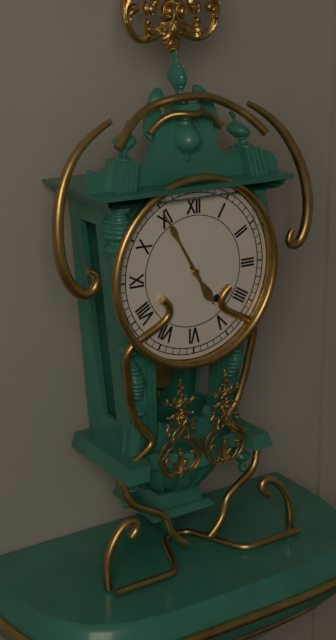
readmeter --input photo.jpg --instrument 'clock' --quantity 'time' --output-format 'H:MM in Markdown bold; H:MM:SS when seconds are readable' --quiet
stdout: **4:55**
